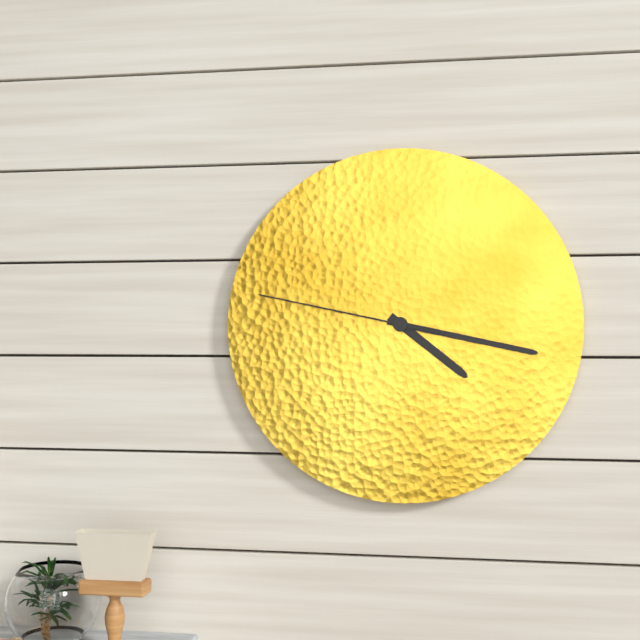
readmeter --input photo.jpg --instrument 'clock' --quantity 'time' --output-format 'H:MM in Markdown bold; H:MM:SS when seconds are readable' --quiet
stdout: **4:17:47**
